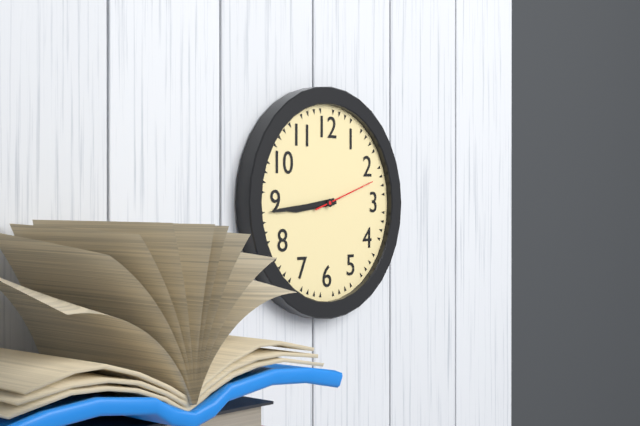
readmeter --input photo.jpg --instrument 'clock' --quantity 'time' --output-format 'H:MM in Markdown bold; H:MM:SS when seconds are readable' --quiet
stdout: **8:44:12**
